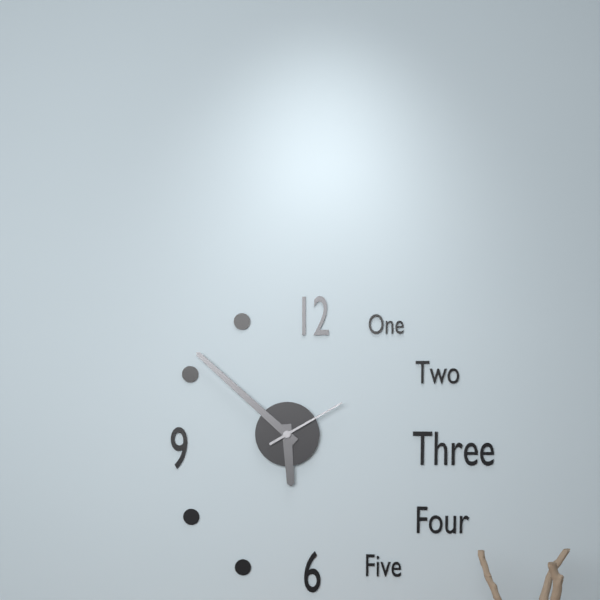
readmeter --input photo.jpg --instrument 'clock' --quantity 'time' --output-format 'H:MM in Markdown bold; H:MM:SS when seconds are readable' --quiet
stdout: **5:52:10**
